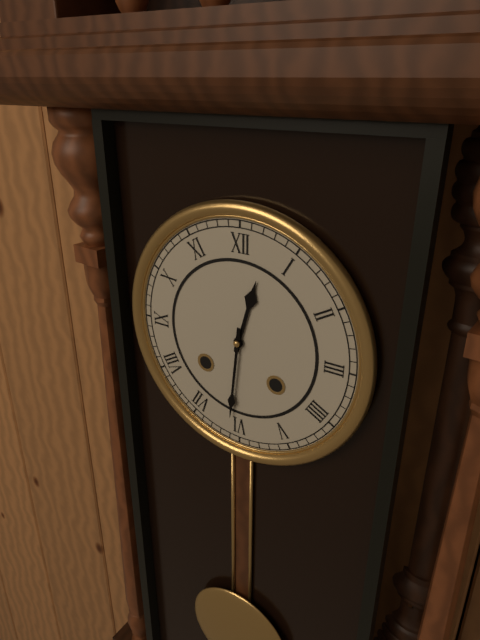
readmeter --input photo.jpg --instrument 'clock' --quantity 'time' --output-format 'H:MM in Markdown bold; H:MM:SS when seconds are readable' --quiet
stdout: **12:31**
